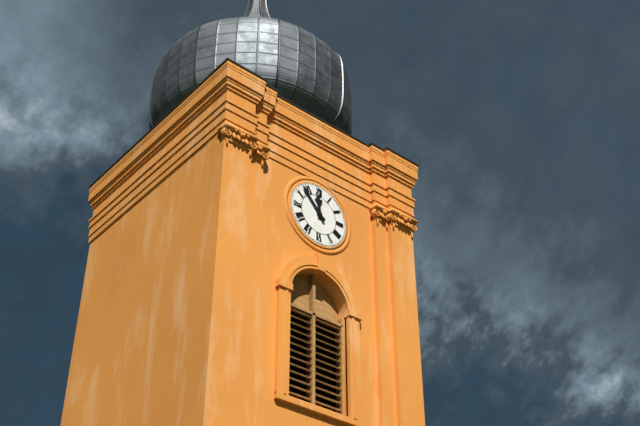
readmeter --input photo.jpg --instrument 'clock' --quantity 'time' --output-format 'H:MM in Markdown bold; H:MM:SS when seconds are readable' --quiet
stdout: **11:53**
